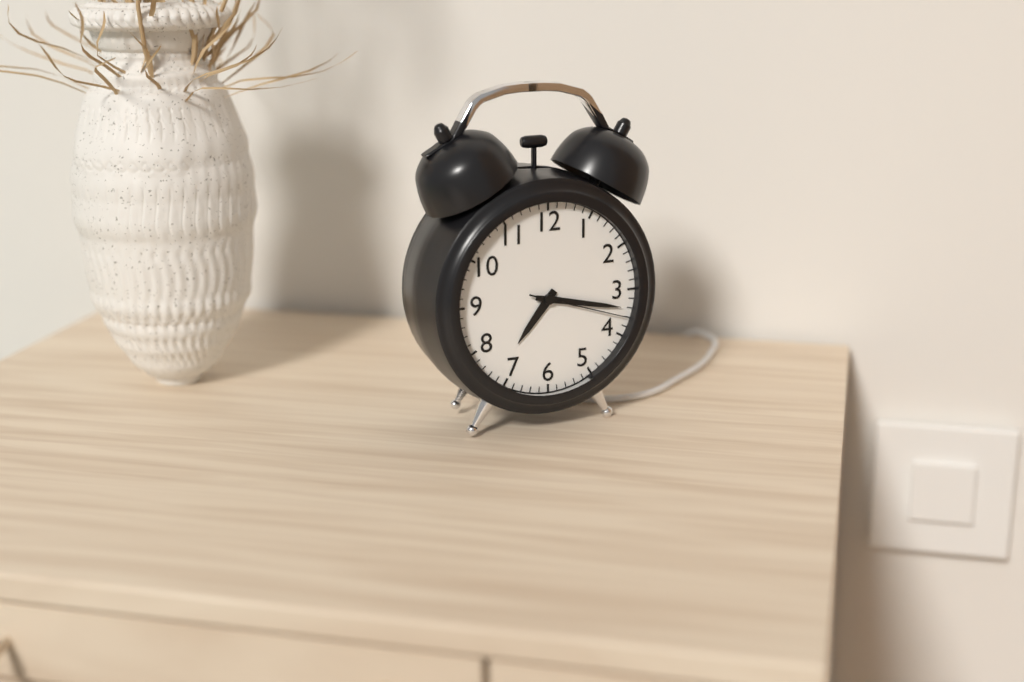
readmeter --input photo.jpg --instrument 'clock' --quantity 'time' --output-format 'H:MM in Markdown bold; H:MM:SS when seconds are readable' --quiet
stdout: **7:17:18**
